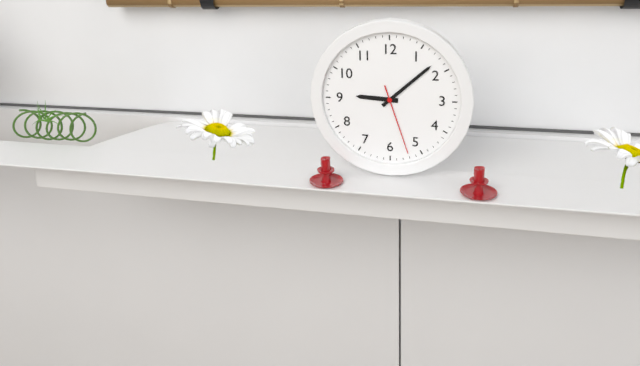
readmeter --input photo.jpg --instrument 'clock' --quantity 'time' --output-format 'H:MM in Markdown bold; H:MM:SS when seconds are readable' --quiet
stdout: **9:08:27**
